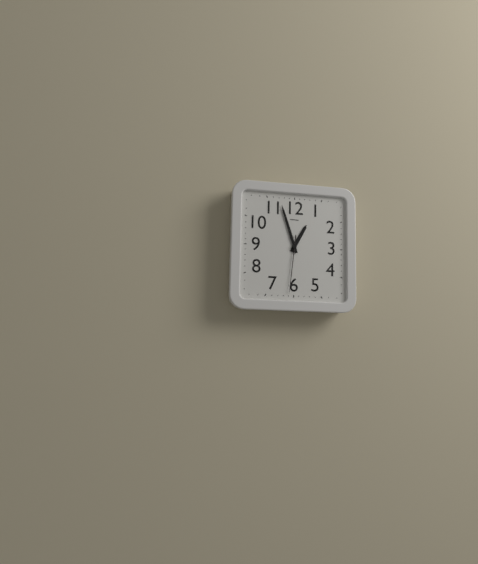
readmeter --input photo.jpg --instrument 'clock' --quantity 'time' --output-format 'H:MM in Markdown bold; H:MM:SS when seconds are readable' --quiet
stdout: **12:57:31**
